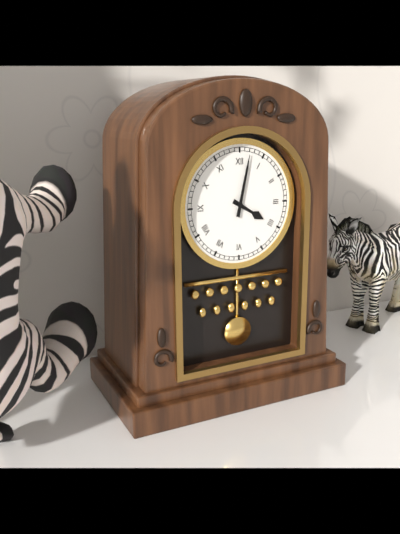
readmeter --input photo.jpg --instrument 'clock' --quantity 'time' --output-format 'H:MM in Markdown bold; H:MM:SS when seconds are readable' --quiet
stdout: **4:02**
